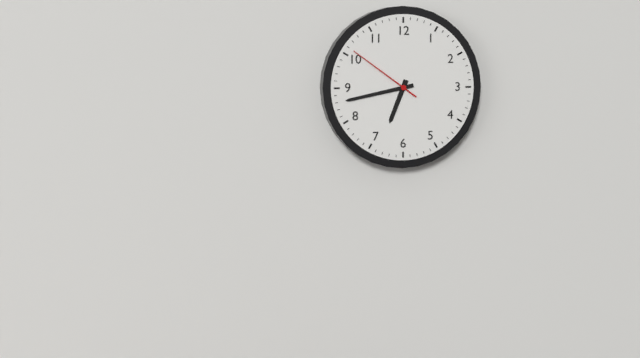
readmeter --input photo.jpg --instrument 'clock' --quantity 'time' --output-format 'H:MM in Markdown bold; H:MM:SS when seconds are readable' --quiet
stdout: **6:43:51**
